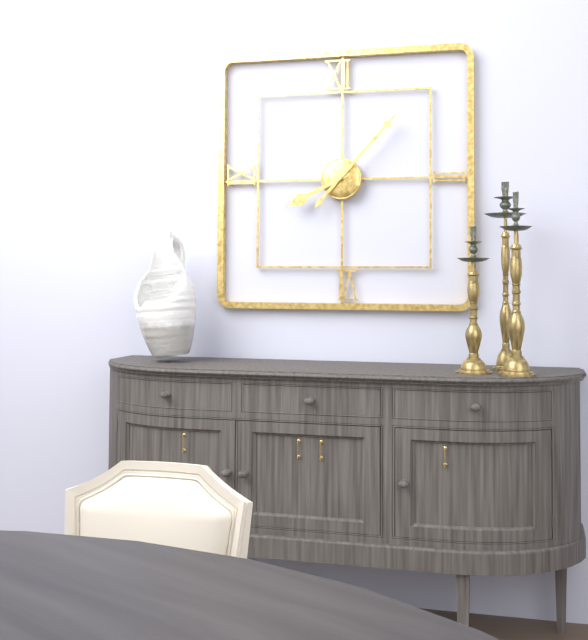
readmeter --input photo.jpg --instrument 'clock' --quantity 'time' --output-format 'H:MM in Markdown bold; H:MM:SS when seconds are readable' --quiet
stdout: **8:07**
